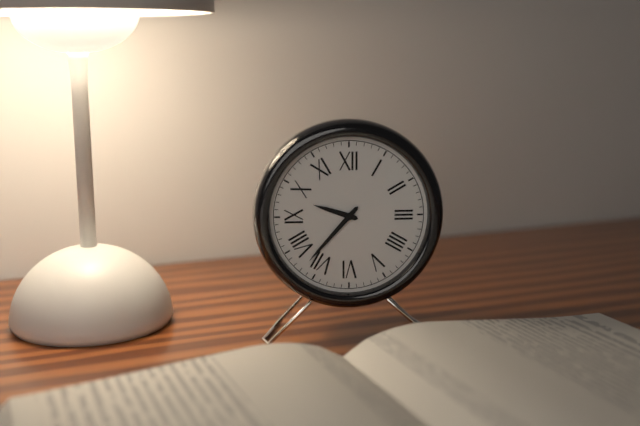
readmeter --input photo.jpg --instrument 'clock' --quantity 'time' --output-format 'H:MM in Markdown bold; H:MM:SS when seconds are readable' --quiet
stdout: **9:37**
